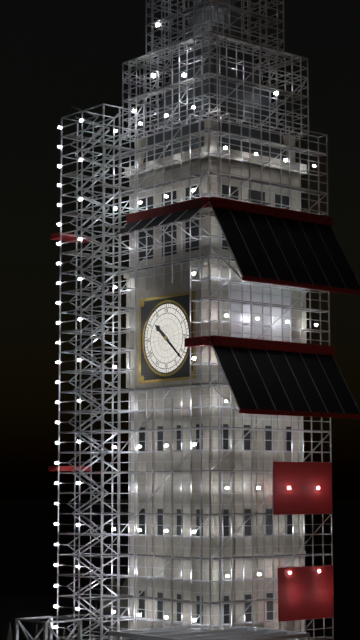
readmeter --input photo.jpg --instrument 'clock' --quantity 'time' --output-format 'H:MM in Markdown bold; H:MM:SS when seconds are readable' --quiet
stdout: **10:22**
